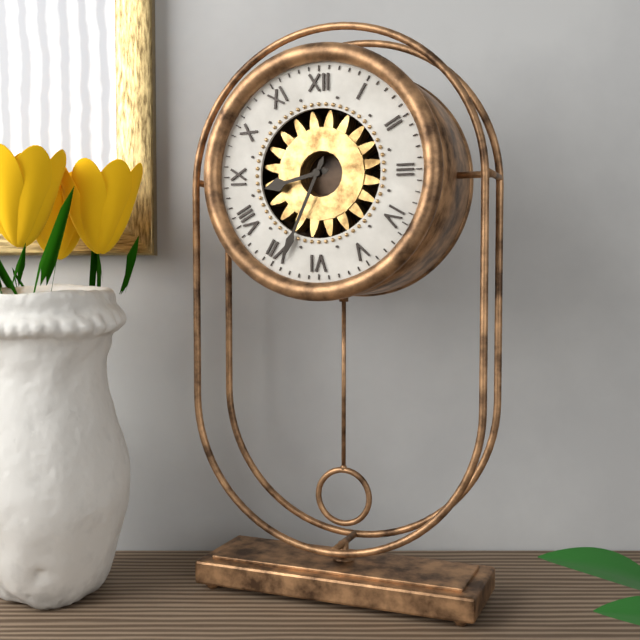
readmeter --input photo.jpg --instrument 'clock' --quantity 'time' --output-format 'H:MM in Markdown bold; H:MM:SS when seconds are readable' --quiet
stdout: **8:34**
